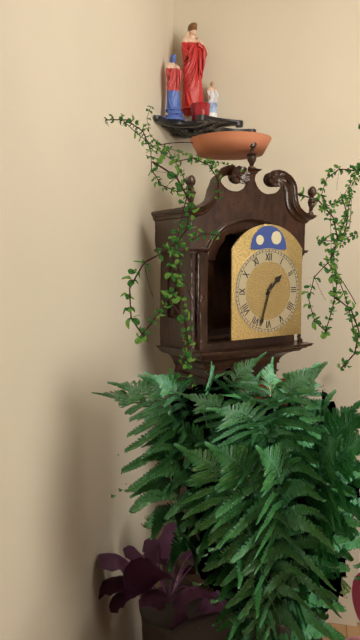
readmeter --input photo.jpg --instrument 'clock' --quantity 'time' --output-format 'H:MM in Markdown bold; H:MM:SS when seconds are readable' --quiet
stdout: **1:33**
